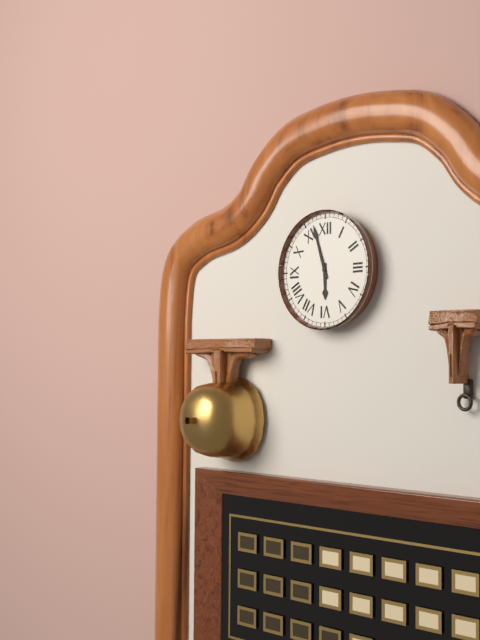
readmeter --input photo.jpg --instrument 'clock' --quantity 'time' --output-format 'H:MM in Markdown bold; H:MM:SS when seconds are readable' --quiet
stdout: **5:57**
